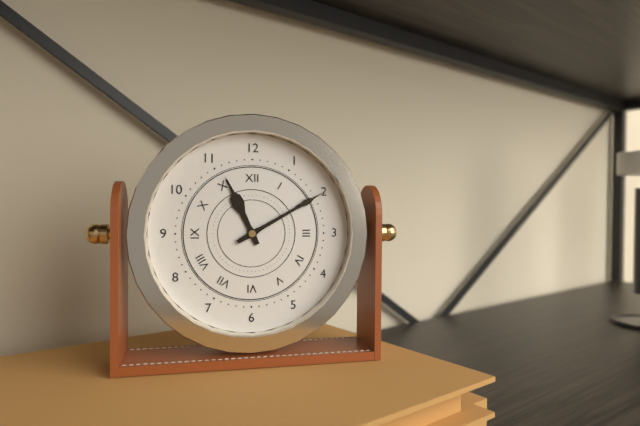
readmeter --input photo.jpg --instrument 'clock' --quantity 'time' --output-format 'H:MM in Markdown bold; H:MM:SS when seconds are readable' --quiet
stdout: **11:10**
